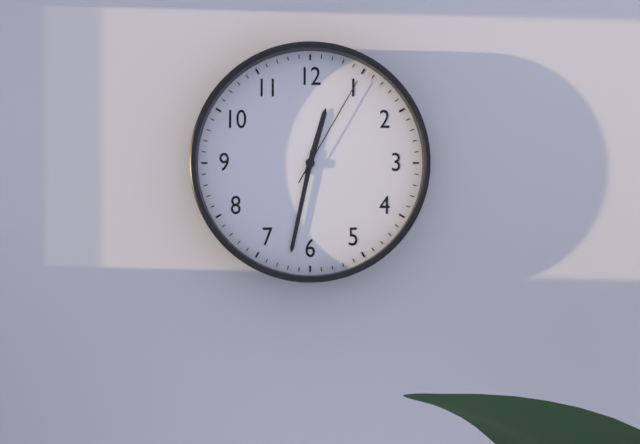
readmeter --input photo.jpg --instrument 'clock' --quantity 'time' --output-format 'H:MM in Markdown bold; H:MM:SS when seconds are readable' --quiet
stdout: **12:32:05**
